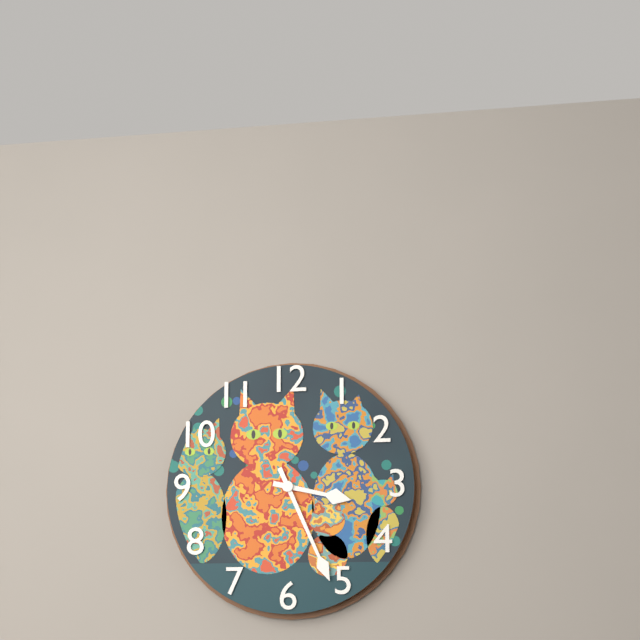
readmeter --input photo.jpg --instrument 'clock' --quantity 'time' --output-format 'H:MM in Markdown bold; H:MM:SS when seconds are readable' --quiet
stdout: **3:26**
